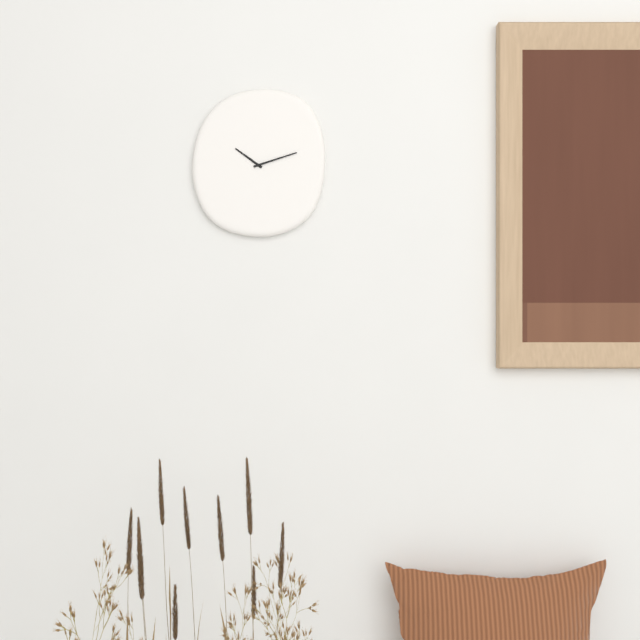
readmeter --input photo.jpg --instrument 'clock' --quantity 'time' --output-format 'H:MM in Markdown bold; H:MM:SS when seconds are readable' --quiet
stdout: **10:12**
